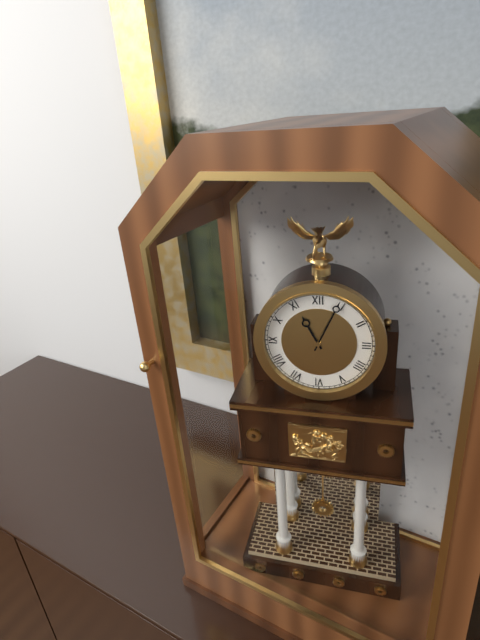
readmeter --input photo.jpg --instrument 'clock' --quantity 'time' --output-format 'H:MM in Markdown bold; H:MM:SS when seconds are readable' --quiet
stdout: **11:04**
